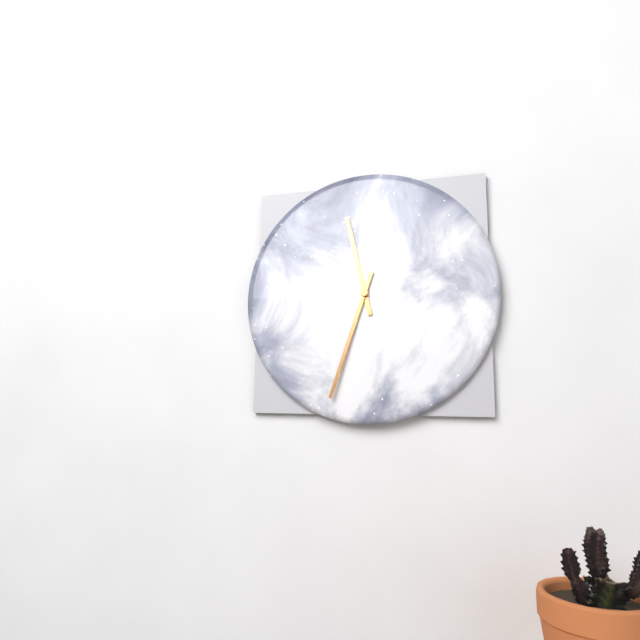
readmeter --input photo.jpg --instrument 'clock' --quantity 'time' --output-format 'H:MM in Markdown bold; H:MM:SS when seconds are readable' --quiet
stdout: **11:33**
